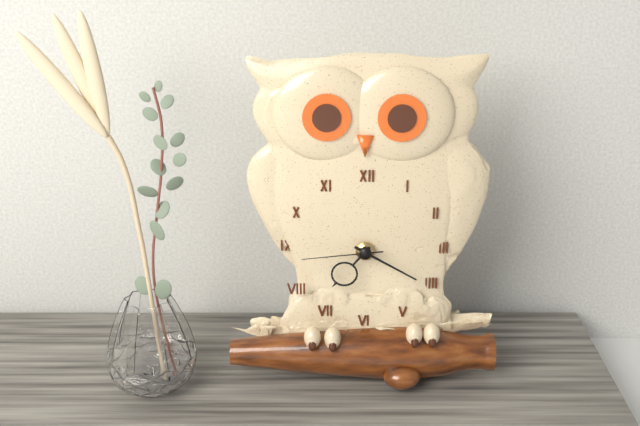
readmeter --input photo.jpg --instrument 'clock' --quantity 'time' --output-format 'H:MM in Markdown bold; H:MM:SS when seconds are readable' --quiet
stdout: **7:20:44**
